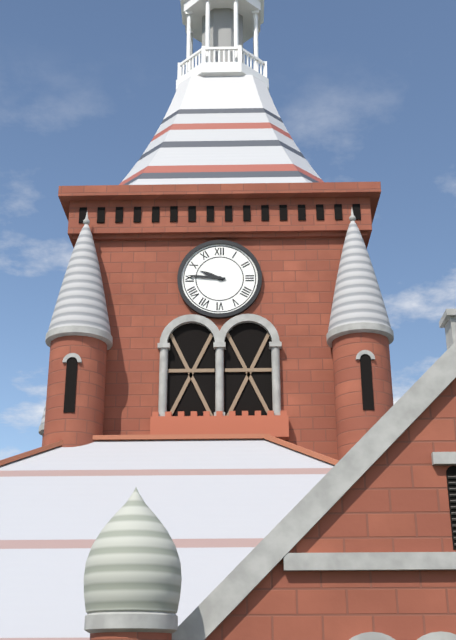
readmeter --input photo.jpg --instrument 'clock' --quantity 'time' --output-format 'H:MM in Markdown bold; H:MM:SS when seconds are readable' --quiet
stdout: **9:46**
